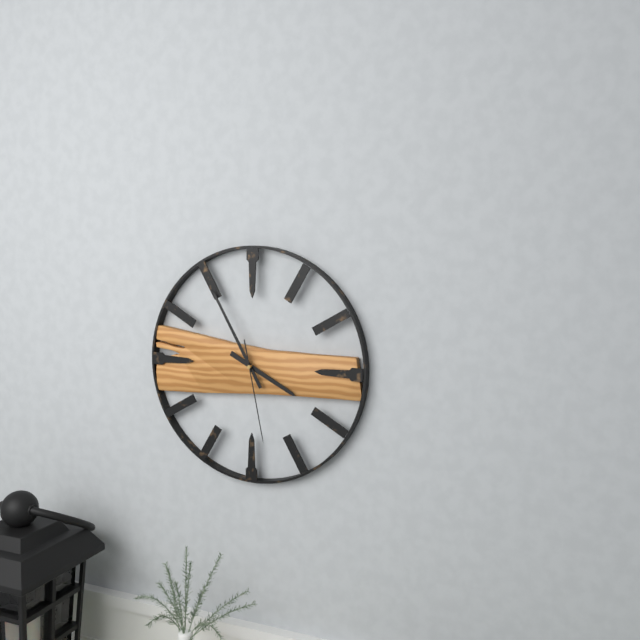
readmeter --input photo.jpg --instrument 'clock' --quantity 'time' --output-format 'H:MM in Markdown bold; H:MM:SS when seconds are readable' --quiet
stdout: **3:55:28**
